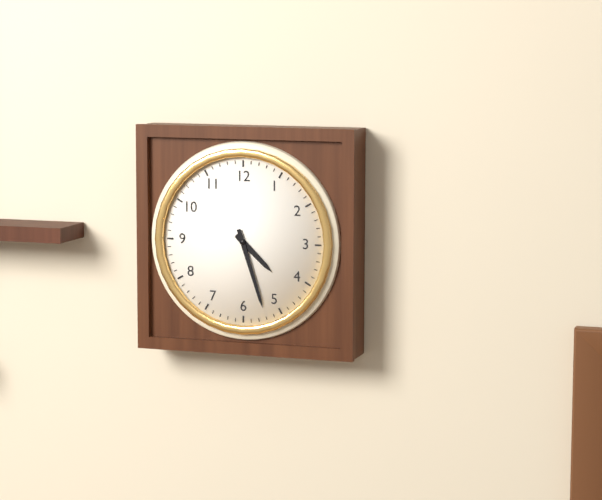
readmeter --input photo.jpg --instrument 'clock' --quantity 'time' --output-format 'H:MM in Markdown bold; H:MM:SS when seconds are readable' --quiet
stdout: **4:27**
